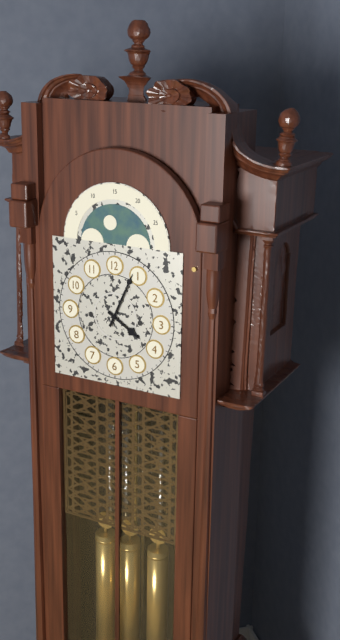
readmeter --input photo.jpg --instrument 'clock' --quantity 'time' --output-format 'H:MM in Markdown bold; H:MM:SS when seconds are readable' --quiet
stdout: **4:04**
